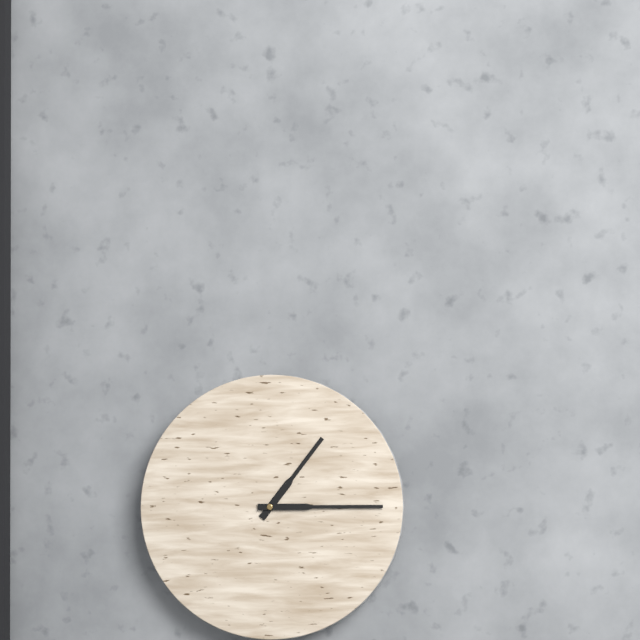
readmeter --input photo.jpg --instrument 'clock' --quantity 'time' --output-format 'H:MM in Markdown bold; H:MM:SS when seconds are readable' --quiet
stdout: **1:15**
